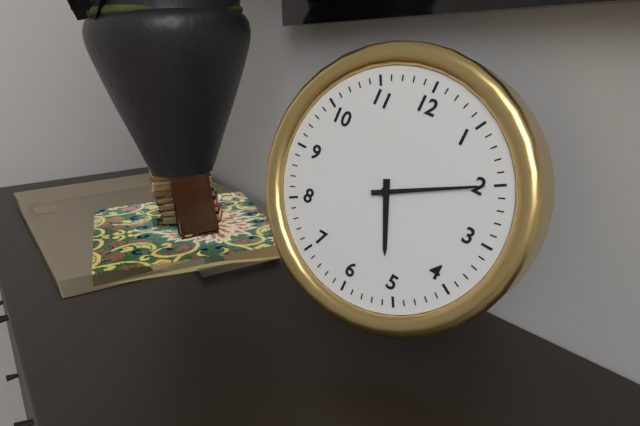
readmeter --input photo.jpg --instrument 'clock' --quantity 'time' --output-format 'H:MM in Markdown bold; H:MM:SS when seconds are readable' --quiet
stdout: **5:10**
